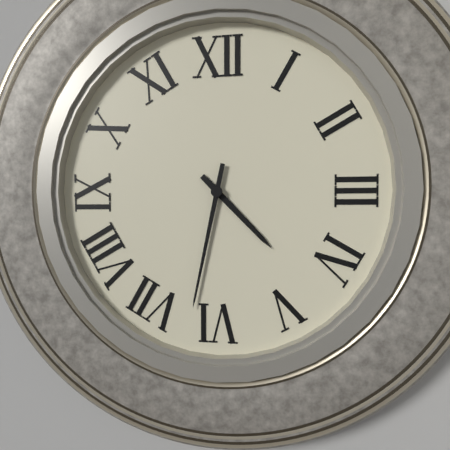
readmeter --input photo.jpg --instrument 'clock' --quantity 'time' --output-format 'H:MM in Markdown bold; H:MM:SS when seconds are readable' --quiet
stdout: **4:32**
